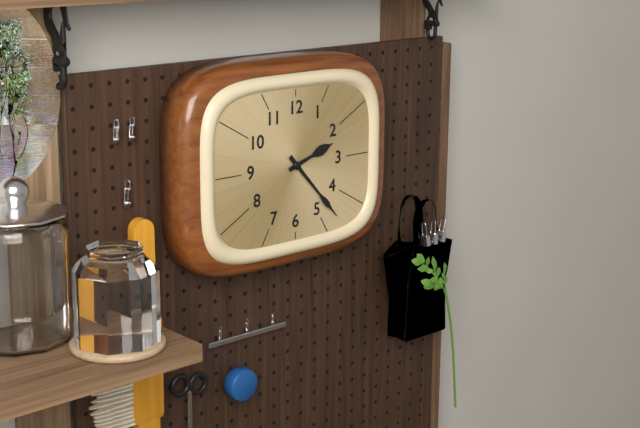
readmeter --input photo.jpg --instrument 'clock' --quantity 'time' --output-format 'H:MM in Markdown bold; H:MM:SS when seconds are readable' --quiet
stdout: **2:23**
